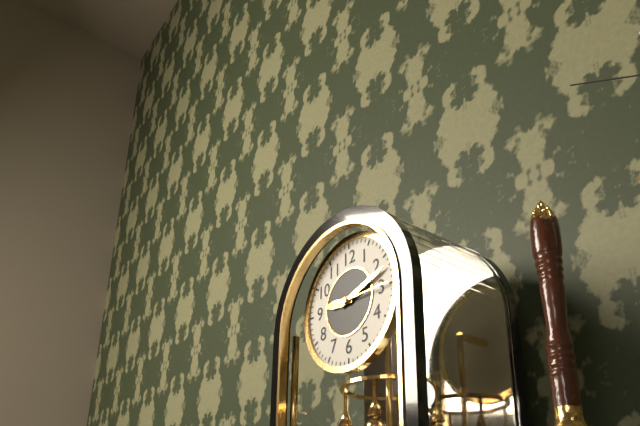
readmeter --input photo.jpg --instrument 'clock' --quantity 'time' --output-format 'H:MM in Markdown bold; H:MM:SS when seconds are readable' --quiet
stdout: **9:12:15**
